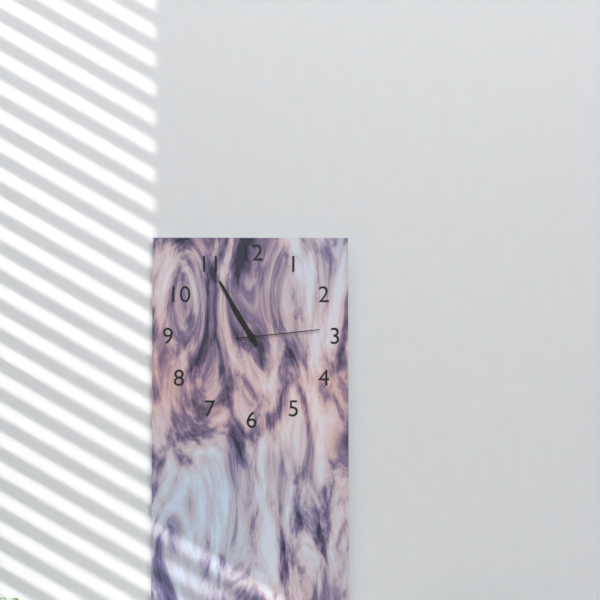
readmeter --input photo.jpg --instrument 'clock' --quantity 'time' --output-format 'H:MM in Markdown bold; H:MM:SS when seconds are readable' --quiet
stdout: **10:55:14**
